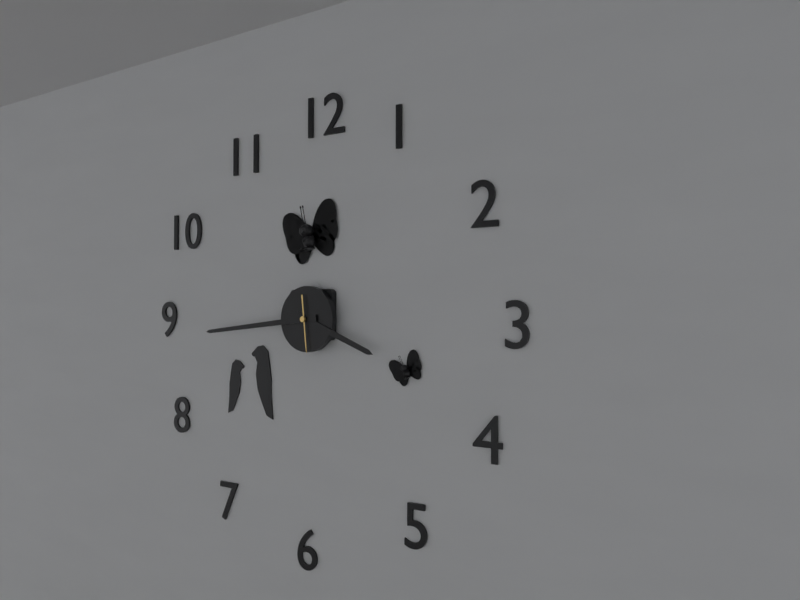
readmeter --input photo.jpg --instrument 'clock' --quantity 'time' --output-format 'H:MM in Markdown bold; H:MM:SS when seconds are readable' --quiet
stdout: **3:44**
